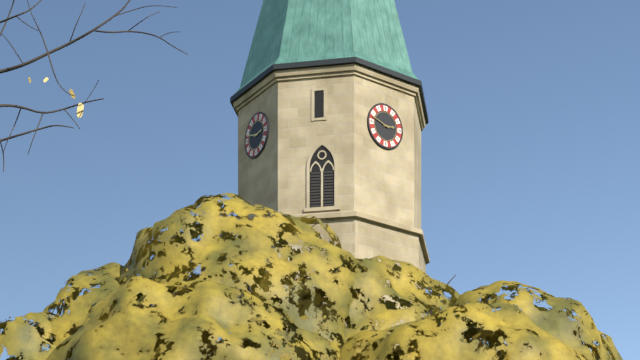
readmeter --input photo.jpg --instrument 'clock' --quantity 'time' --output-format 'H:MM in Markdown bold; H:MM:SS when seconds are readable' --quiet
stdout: **2:48**
